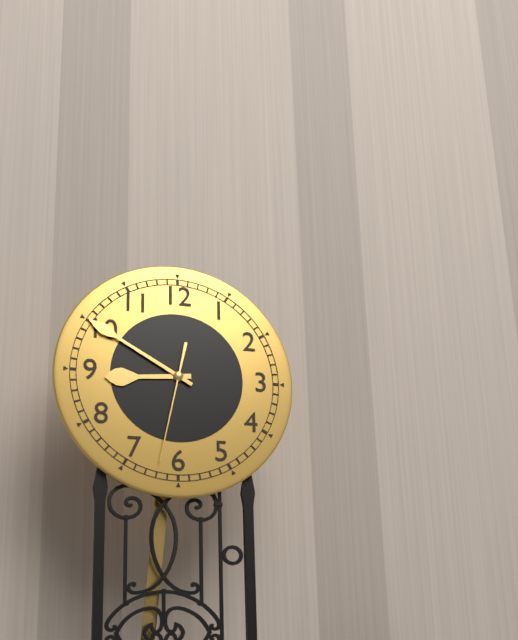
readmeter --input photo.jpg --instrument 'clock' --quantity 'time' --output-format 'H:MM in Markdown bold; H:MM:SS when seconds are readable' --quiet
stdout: **8:50:32**
